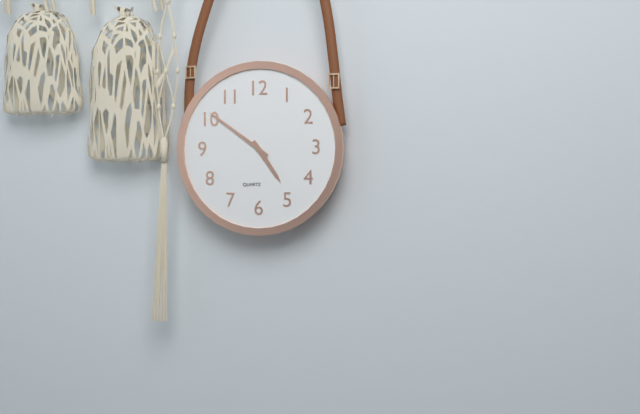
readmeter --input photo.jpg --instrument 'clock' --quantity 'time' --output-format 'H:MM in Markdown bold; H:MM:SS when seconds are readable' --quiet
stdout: **4:51**
